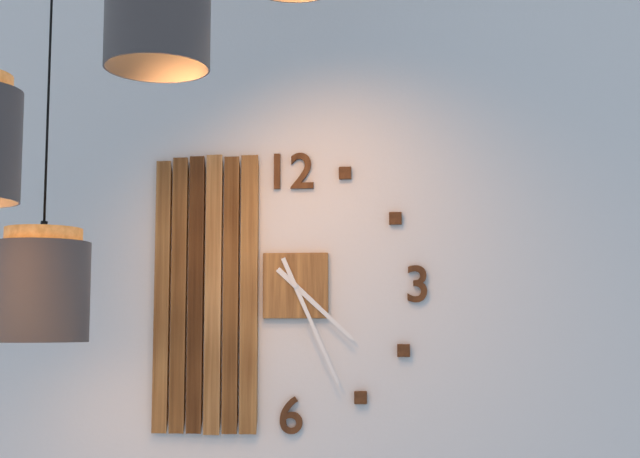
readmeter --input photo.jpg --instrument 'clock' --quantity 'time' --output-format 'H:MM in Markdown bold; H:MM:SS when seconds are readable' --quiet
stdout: **4:26**
